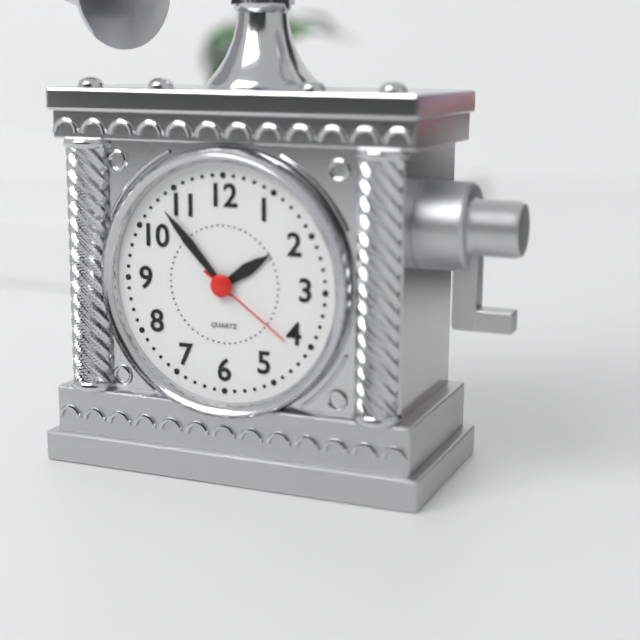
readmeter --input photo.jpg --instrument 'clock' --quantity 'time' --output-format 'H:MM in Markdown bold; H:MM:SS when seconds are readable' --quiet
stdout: **1:53:21**
